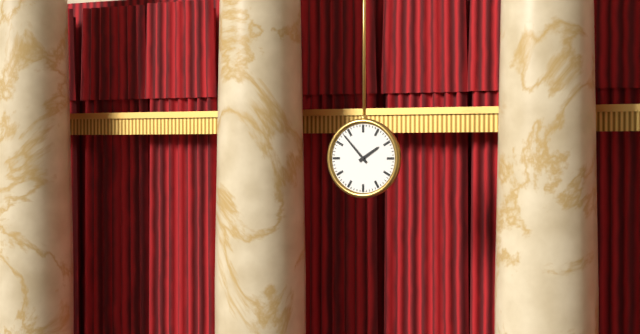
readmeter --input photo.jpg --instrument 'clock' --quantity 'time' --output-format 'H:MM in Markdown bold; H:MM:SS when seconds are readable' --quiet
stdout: **1:53**
